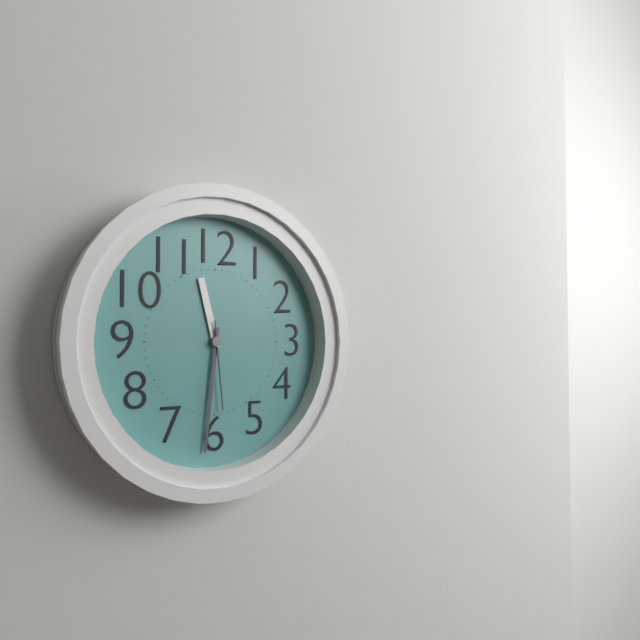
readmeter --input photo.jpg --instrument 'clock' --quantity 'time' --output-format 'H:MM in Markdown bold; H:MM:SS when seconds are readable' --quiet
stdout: **11:31:29**
